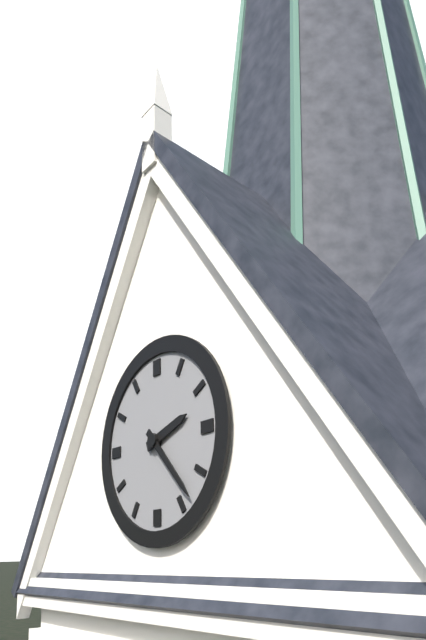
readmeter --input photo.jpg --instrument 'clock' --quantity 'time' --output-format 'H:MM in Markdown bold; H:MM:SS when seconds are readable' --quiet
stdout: **2:23**
